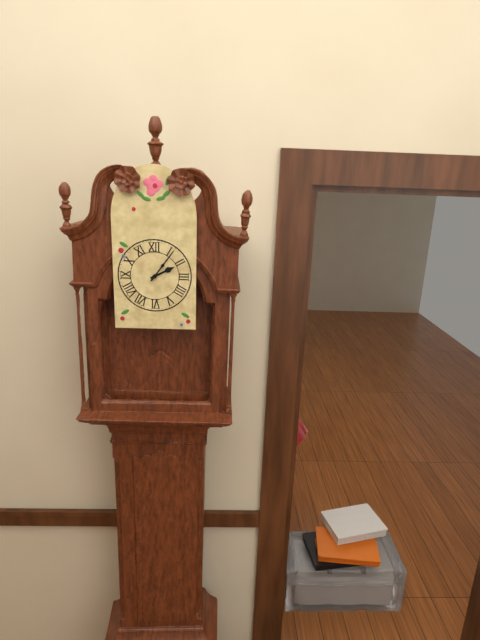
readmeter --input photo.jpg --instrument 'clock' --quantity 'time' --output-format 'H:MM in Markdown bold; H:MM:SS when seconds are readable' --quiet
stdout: **2:06**
